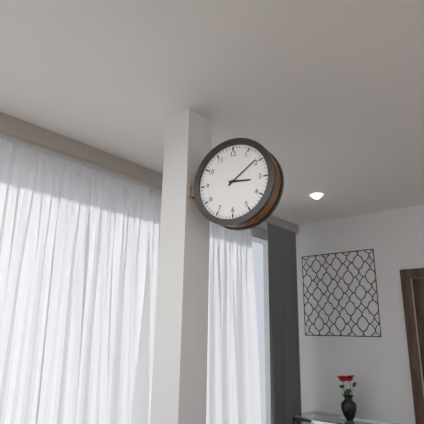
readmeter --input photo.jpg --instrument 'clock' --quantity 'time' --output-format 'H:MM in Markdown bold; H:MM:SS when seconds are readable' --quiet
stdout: **3:09**
